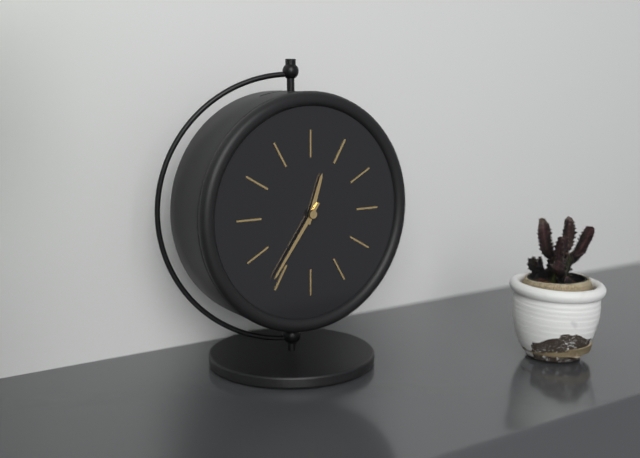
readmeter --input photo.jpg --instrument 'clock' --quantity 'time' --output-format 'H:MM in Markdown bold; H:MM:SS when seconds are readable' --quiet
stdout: **12:36**
